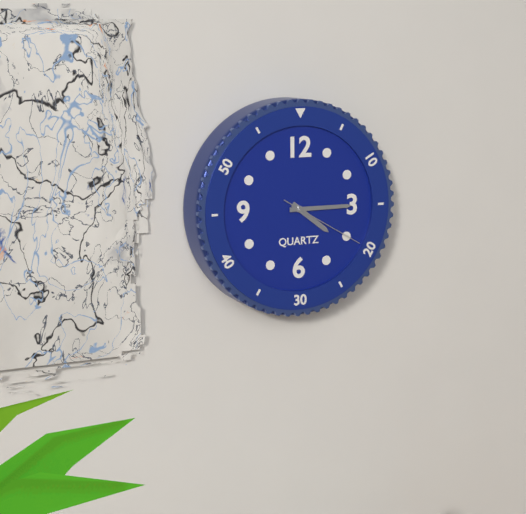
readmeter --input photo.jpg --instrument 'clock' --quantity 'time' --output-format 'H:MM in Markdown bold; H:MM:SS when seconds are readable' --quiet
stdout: **4:15:20**
